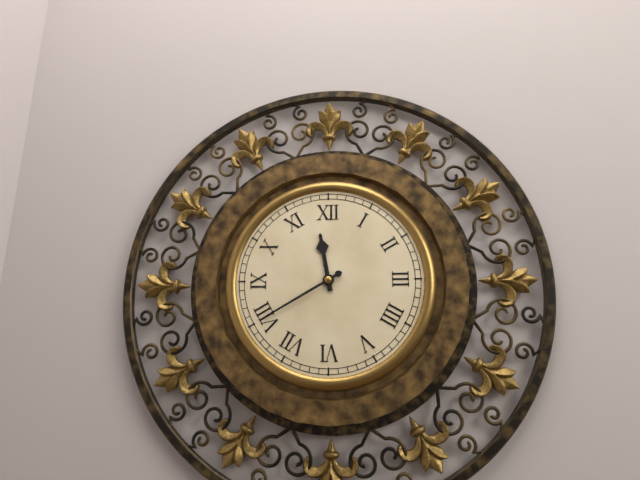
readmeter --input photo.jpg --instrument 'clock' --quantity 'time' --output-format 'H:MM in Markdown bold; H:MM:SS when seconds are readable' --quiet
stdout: **11:40**
